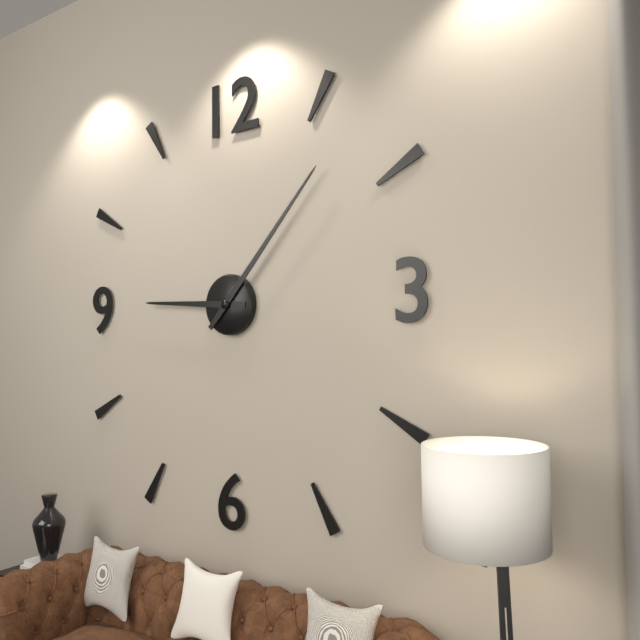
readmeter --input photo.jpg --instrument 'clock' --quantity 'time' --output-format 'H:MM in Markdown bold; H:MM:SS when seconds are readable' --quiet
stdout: **9:07**
